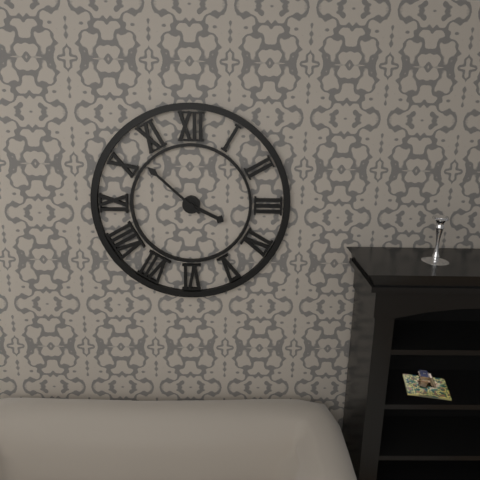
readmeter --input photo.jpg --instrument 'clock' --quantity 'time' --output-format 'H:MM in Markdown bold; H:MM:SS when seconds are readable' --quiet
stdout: **3:52**
